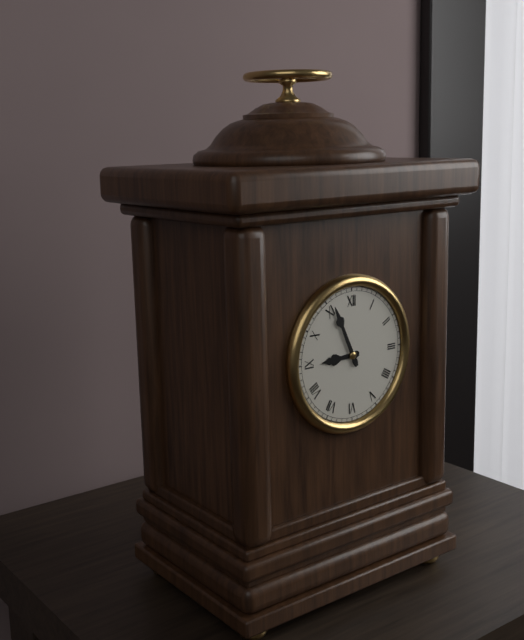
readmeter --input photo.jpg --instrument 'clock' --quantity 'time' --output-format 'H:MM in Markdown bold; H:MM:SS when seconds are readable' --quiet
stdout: **8:56**
